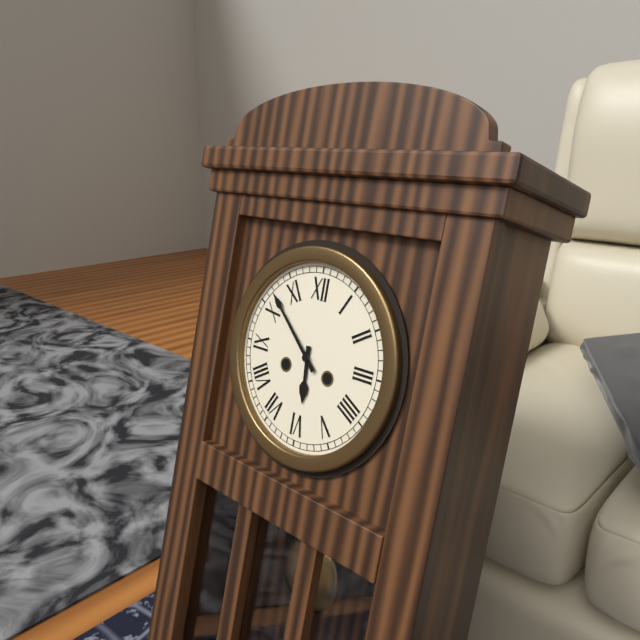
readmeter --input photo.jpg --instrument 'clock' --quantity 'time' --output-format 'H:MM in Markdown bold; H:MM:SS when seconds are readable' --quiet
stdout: **5:52**
